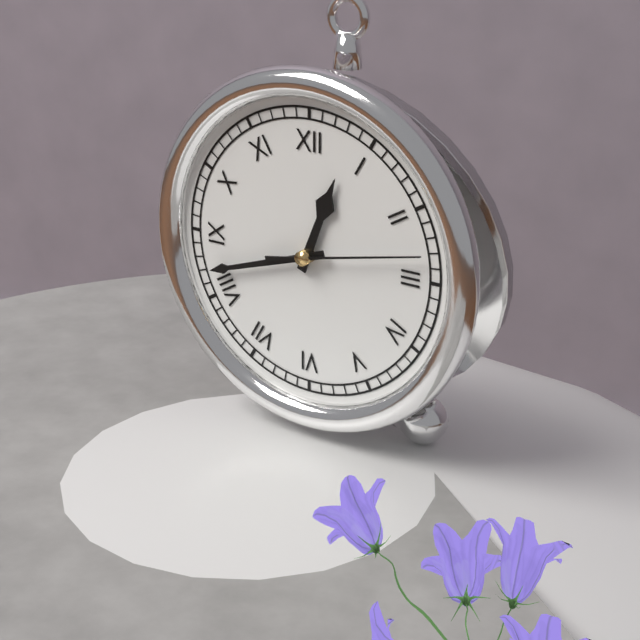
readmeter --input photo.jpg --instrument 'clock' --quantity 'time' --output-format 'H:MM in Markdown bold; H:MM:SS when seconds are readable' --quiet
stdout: **12:42:13**
